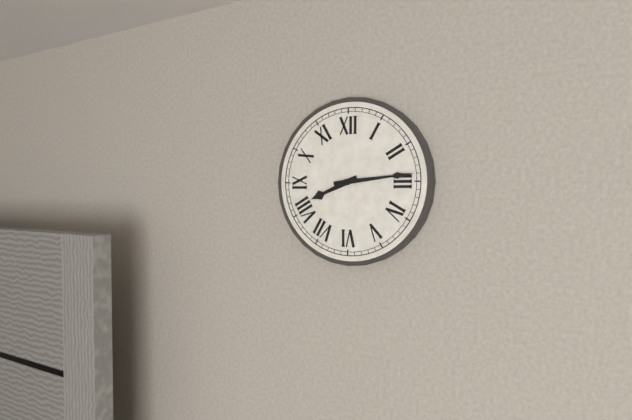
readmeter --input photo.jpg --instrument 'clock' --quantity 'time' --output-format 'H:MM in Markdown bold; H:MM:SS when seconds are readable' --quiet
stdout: **8:14**
